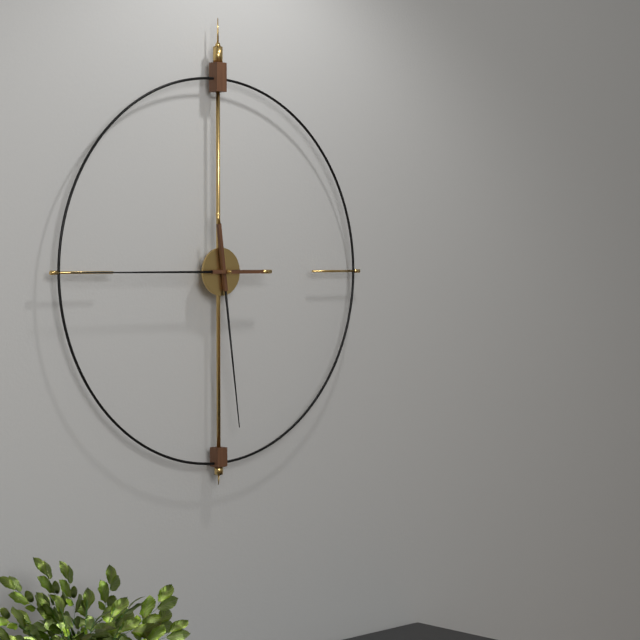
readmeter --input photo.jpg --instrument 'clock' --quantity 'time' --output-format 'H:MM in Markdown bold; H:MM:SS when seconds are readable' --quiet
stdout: **5:45**
